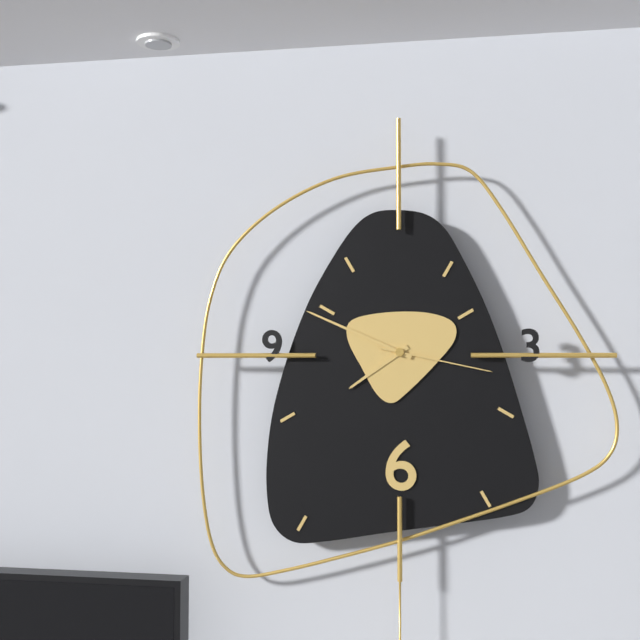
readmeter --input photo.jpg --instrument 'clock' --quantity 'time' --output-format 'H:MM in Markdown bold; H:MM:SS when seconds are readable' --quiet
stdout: **7:49:17**
